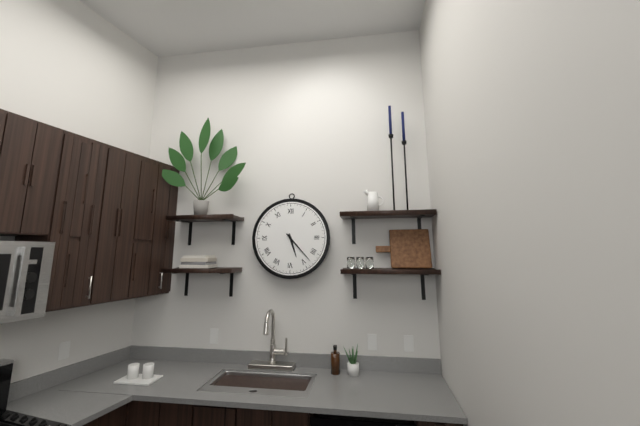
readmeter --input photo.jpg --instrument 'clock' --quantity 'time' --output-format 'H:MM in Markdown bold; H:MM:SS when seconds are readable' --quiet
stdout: **5:23**
